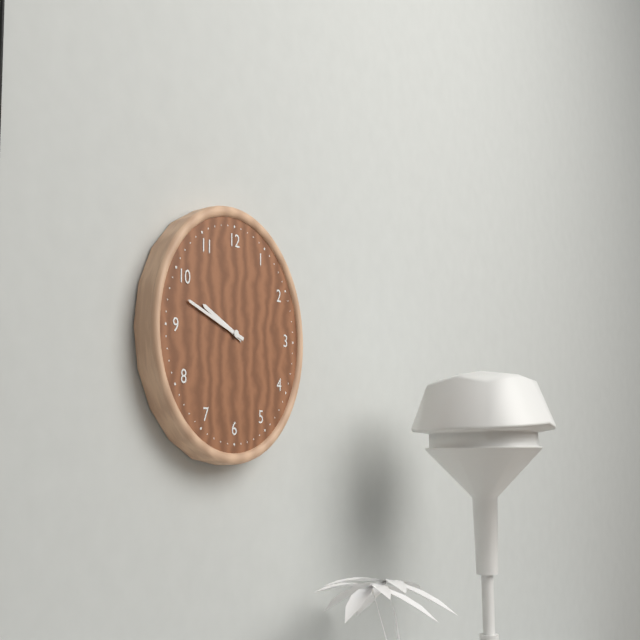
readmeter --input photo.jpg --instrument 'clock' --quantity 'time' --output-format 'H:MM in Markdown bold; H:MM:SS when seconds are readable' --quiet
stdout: **9:48**
